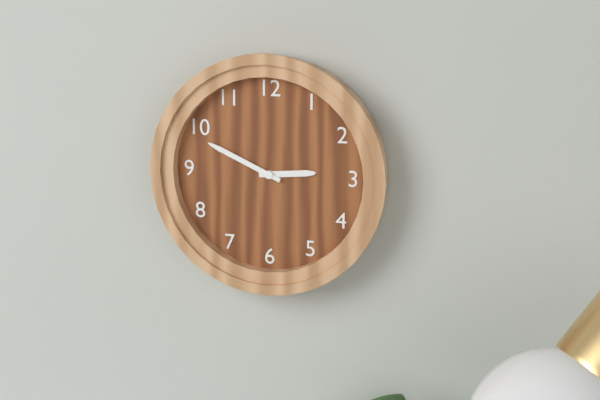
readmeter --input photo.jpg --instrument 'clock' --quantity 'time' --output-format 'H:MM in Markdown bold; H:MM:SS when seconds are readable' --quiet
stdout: **2:49**
